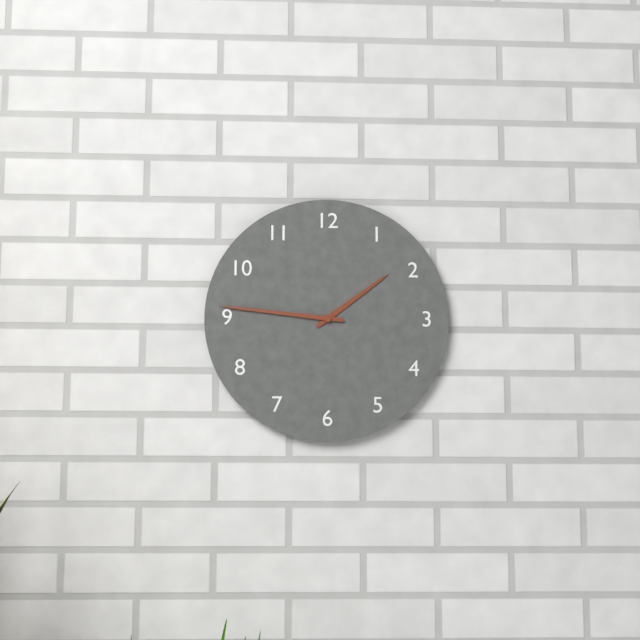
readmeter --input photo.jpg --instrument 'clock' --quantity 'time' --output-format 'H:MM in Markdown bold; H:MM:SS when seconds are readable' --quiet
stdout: **1:46**
